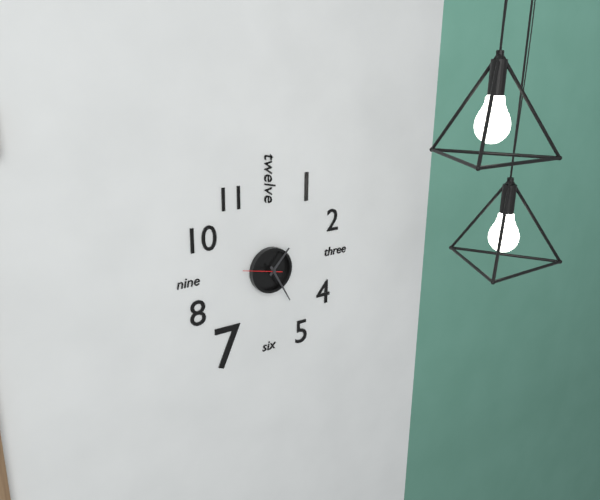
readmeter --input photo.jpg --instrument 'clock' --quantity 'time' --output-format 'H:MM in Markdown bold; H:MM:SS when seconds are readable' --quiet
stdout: **1:25**
